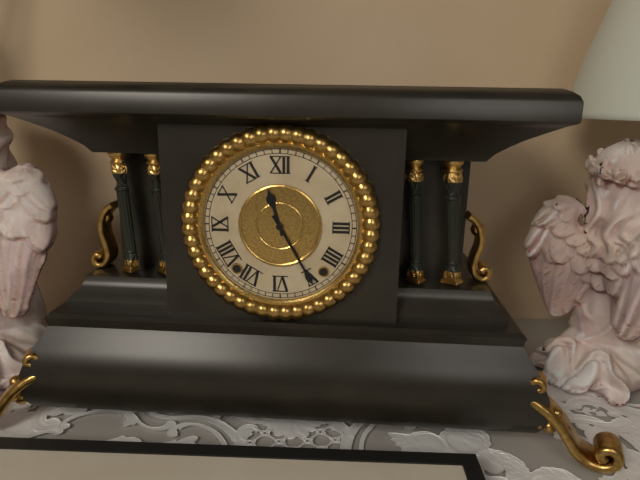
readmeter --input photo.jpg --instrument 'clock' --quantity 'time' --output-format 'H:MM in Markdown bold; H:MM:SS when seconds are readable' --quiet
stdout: **11:25**
